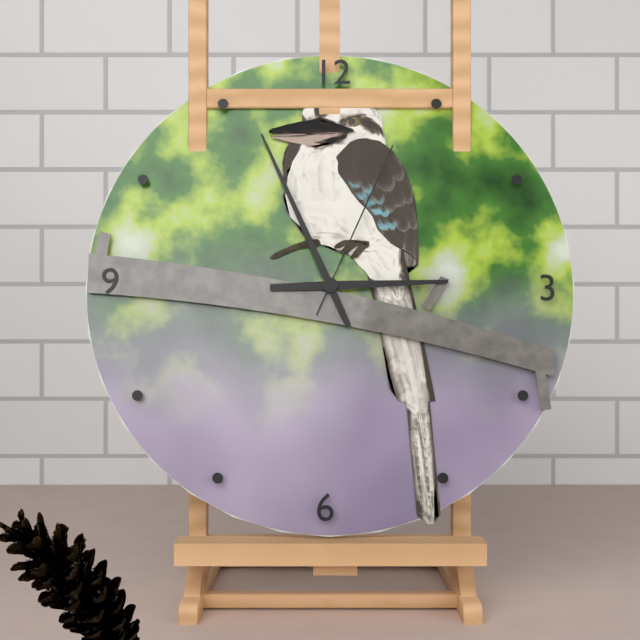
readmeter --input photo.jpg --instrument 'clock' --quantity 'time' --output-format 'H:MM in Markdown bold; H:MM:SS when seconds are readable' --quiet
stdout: **2:56:04**
